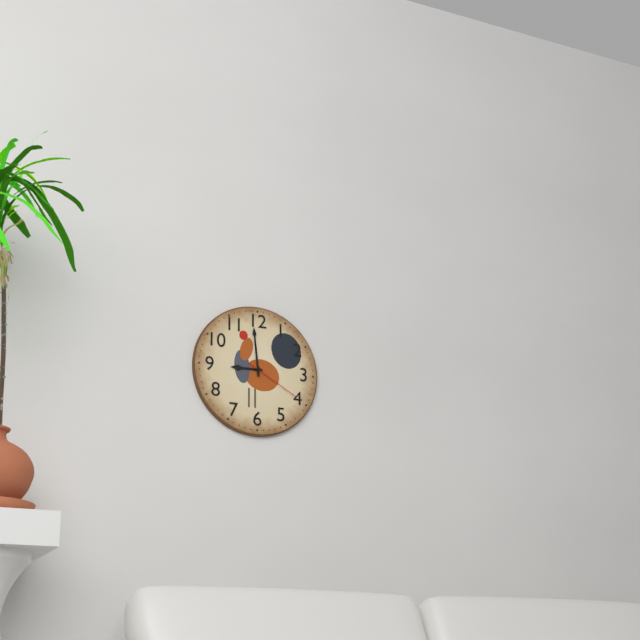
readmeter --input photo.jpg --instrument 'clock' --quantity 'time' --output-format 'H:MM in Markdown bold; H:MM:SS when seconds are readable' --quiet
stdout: **8:59:20**
